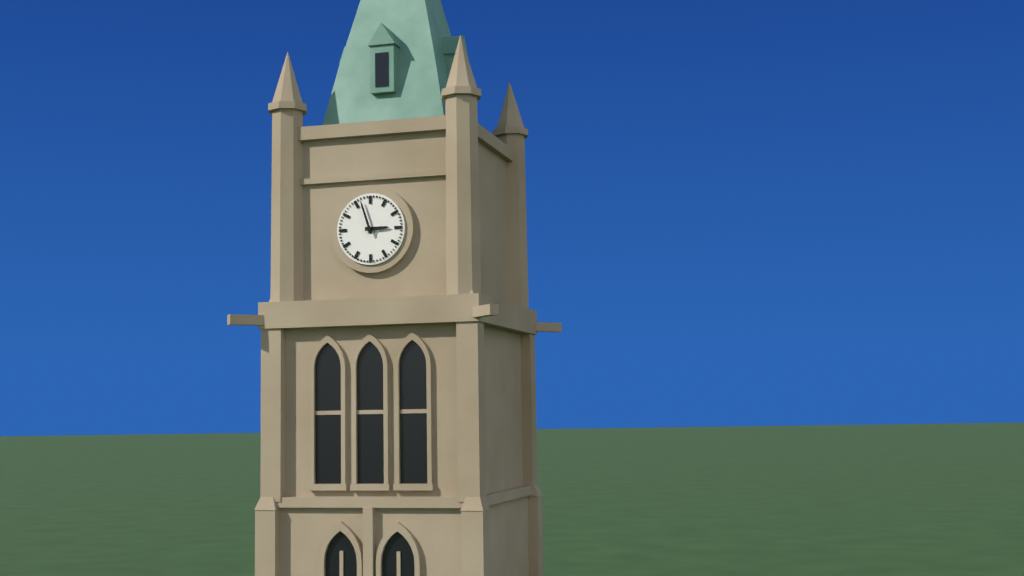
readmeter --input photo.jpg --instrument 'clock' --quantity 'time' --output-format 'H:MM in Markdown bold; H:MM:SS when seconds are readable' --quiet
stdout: **2:57**
